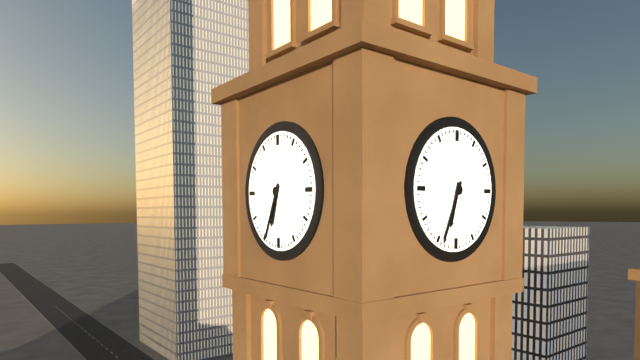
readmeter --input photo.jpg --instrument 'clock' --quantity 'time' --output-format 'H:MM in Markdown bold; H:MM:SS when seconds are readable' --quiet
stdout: **6:34**
